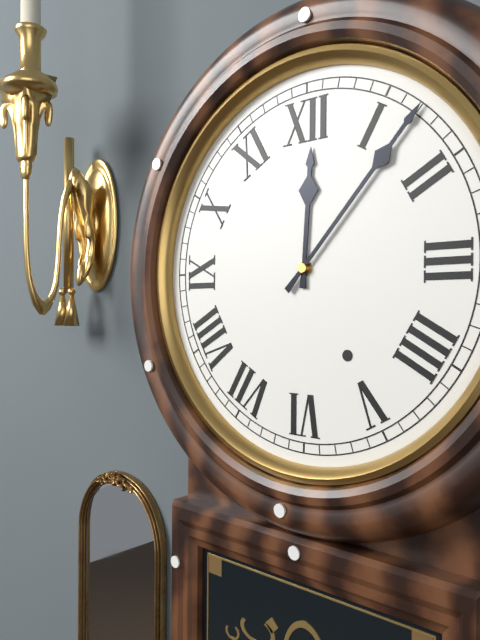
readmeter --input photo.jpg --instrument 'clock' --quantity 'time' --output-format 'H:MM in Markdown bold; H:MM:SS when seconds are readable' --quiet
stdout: **12:07**
